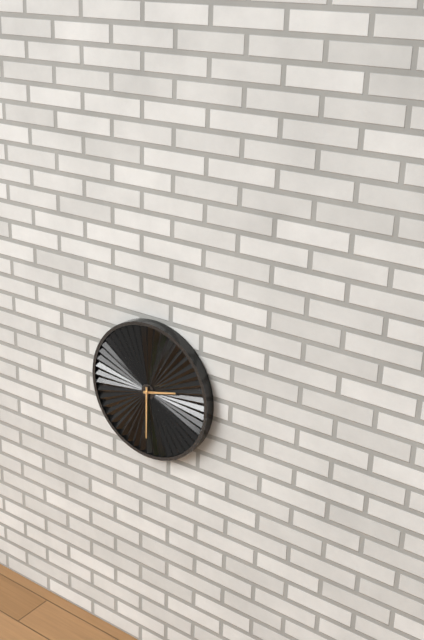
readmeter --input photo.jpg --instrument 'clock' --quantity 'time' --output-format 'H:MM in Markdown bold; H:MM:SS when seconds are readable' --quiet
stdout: **2:30**
